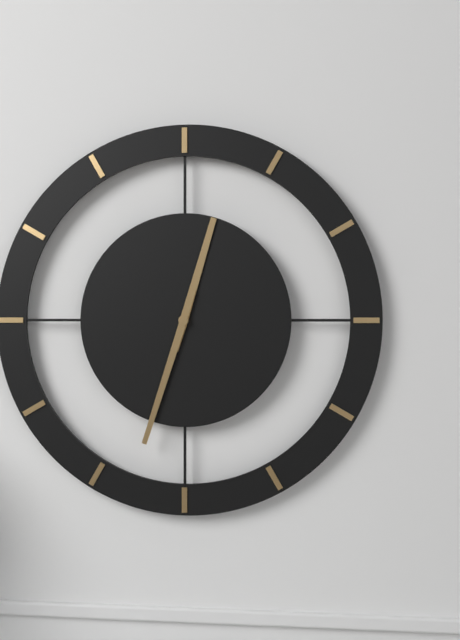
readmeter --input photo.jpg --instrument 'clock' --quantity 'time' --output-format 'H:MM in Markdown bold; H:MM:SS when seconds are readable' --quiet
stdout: **12:33**
